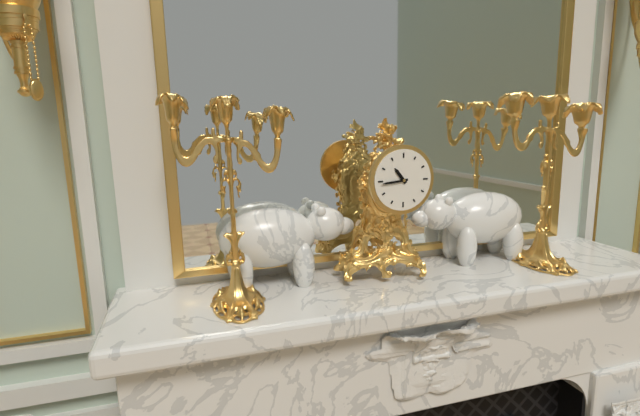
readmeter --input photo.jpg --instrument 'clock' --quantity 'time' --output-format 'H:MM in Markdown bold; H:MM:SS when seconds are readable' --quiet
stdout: **10:44**
